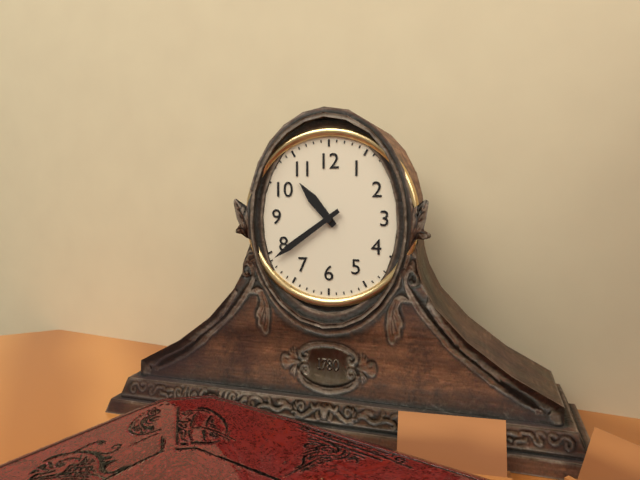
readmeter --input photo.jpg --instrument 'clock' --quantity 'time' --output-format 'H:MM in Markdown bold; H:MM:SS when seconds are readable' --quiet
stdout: **10:39**
